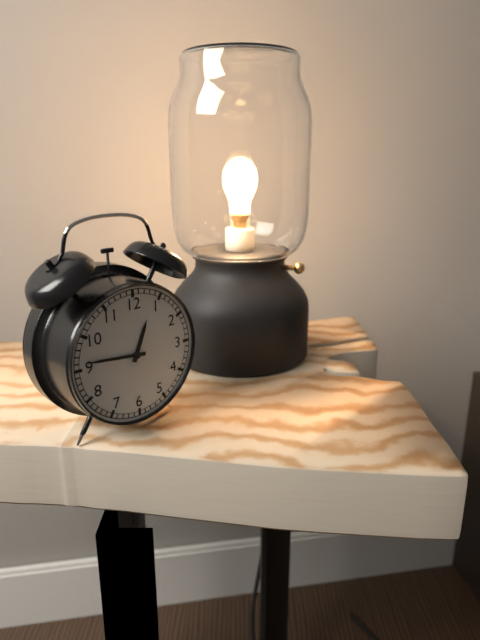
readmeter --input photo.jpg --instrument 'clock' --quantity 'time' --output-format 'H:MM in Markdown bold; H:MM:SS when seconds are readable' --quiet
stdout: **12:46**
